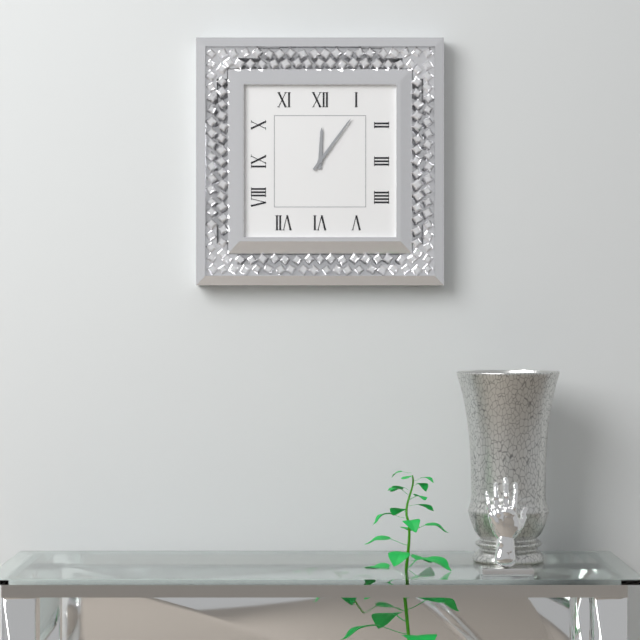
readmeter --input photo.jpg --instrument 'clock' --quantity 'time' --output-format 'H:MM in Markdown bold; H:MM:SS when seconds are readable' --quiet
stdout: **12:06**
